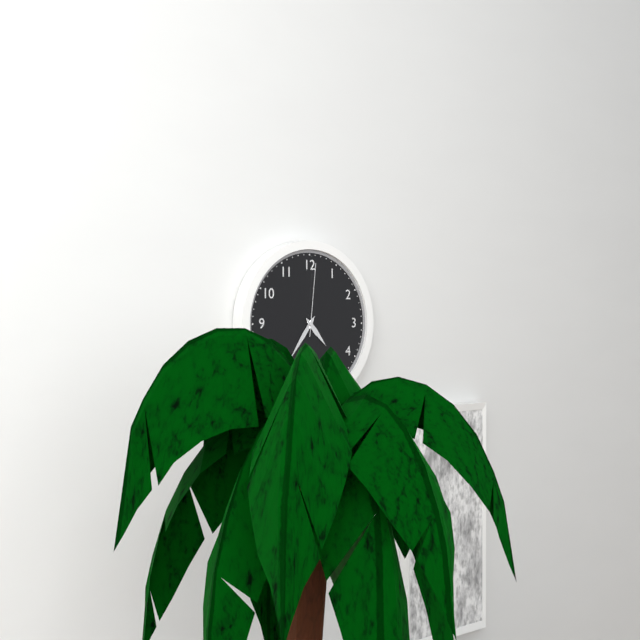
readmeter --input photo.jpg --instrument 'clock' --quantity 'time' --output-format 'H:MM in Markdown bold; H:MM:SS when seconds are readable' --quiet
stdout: **4:36:01**
